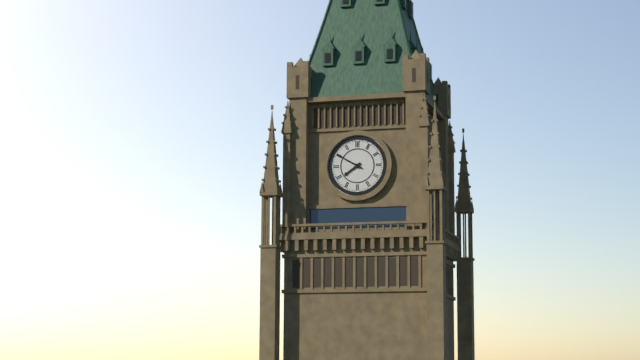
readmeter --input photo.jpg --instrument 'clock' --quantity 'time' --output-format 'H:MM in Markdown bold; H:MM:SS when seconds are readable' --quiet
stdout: **7:50**
